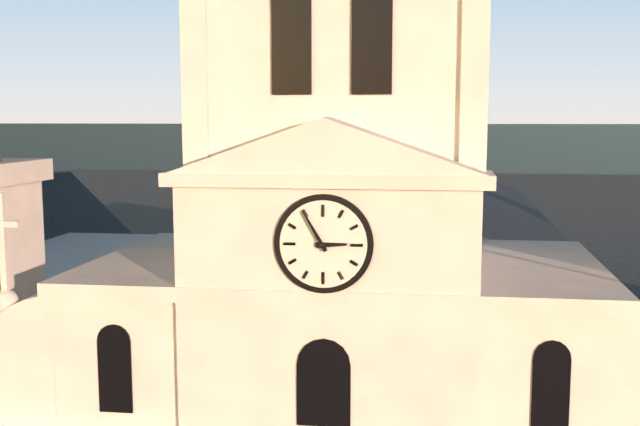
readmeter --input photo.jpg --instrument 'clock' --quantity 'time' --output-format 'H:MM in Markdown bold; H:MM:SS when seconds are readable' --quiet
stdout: **2:55**
